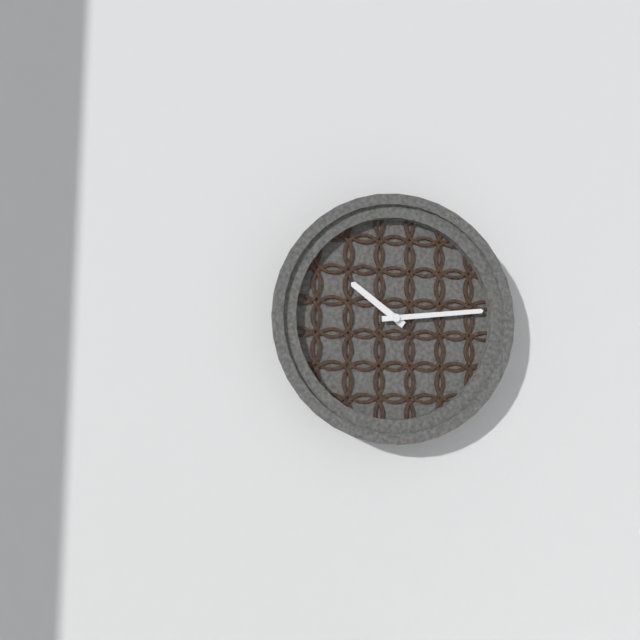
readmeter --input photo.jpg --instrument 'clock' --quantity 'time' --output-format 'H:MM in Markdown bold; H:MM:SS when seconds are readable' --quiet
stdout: **10:14**
